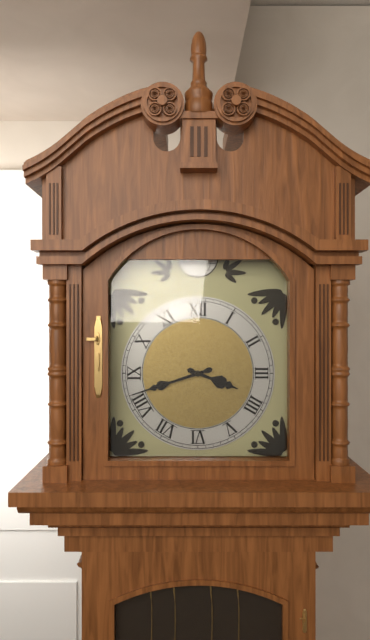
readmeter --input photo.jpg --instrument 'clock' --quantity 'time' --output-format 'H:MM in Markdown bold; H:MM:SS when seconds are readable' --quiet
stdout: **3:42**
